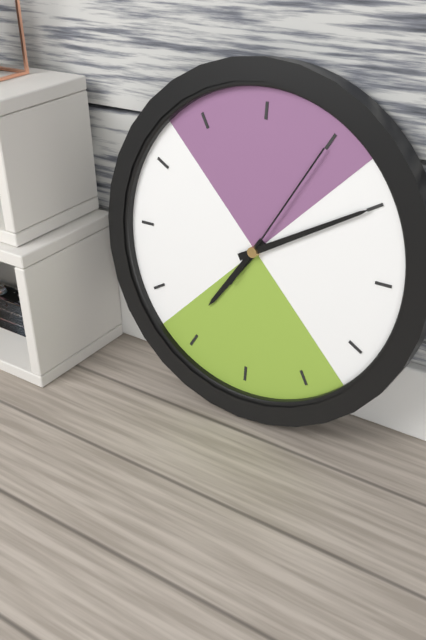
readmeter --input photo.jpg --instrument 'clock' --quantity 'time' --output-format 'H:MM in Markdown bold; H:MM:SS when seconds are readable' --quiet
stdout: **7:10:05**
